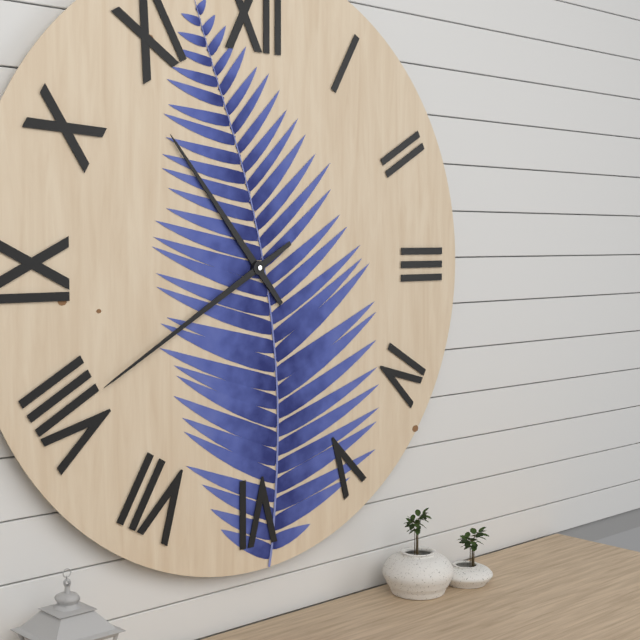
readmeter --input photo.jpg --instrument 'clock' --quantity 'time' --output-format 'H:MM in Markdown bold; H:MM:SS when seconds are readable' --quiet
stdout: **10:40**
